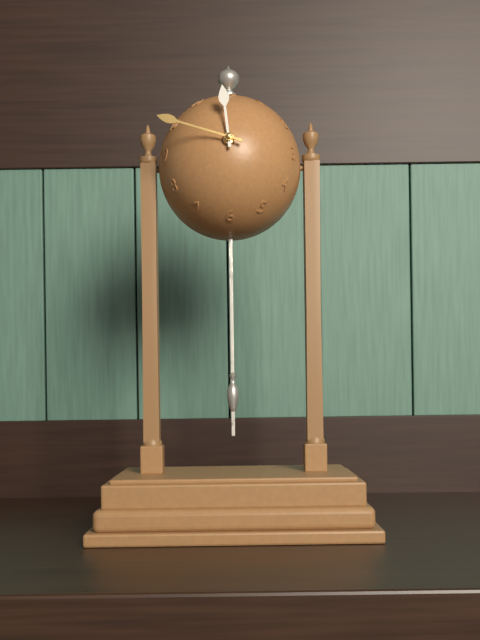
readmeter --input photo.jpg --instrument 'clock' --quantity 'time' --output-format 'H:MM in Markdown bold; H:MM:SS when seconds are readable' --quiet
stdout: **11:48**
